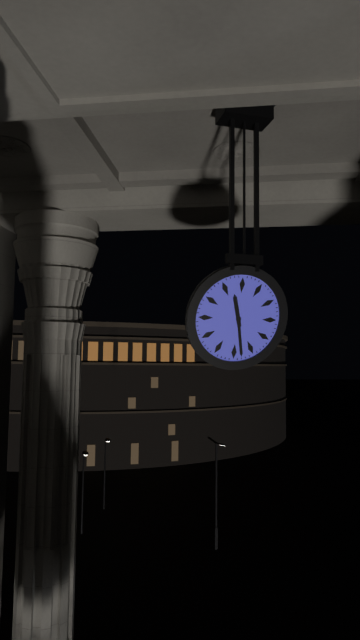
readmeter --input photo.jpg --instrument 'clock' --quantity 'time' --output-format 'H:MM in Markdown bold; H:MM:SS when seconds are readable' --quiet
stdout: **11:28**
